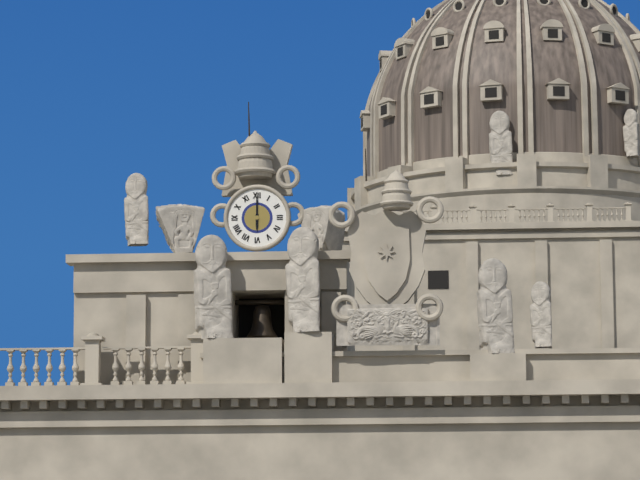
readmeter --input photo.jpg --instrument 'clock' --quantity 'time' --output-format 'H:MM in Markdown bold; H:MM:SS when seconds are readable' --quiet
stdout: **6:00**
